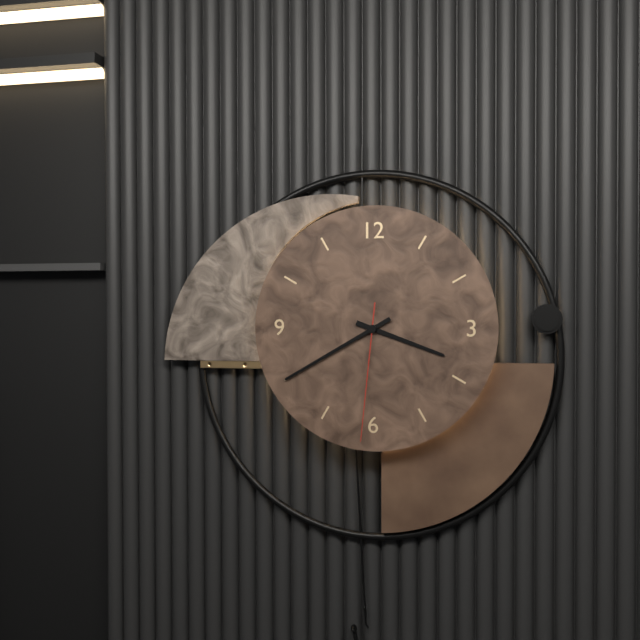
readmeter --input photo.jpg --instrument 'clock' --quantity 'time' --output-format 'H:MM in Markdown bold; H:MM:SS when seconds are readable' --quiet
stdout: **3:40:31**
